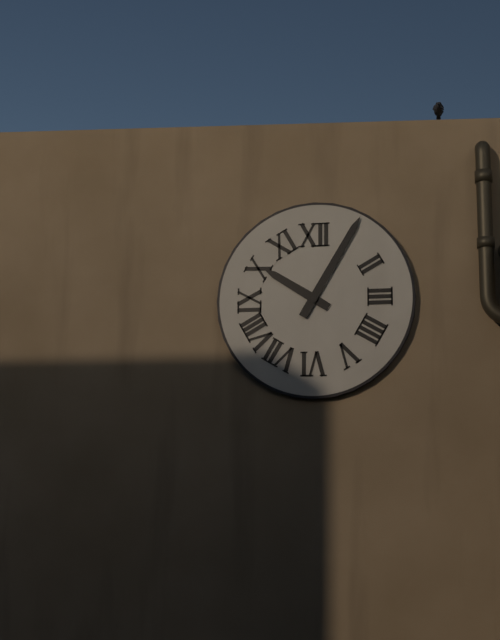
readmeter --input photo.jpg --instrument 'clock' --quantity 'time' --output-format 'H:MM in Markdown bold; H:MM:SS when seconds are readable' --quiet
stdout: **10:05**
